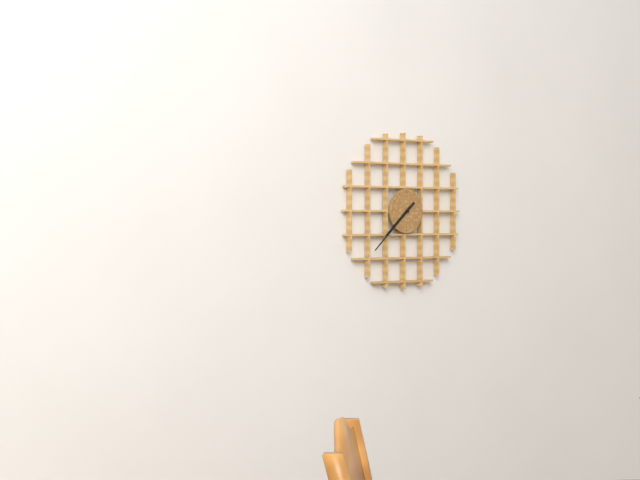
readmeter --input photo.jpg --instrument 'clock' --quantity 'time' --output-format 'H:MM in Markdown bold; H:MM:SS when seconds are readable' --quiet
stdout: **7:38**
